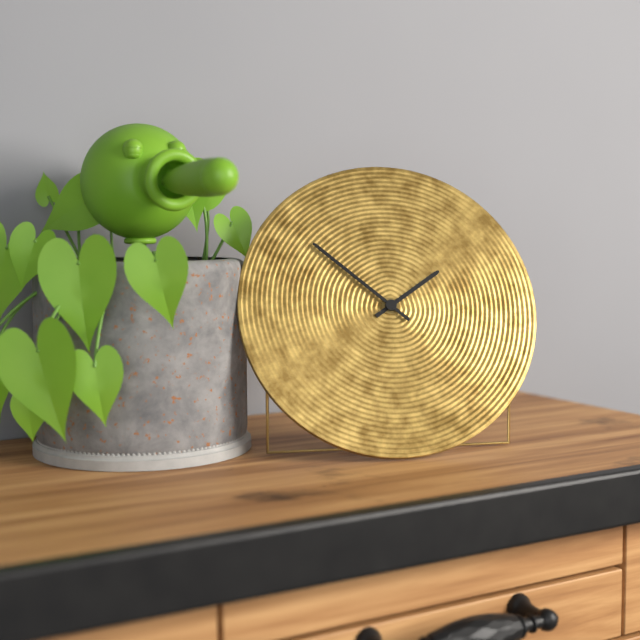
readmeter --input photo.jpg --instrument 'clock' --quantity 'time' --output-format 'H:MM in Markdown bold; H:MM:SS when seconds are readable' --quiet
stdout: **1:52**
